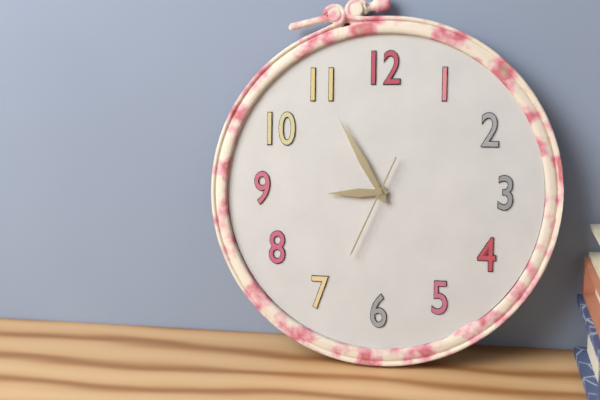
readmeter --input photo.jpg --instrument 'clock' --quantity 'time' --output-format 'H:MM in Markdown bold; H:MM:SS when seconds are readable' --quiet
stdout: **8:55:34**
